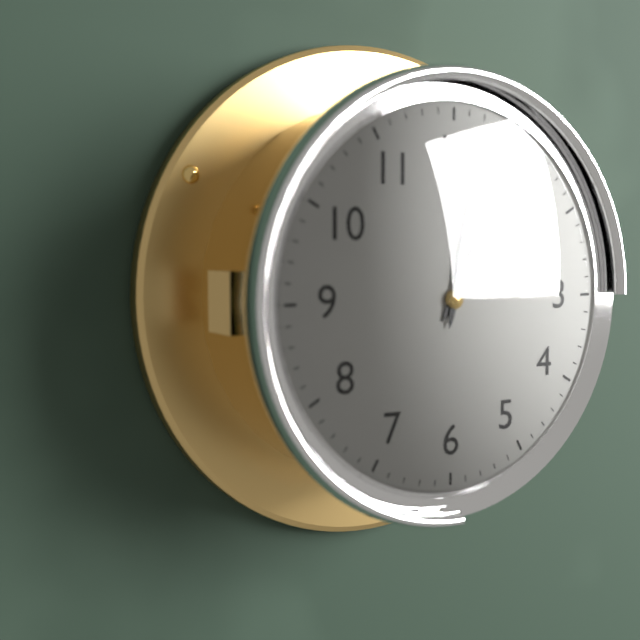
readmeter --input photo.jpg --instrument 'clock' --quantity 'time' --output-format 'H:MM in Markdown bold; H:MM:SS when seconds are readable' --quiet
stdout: **1:02**
